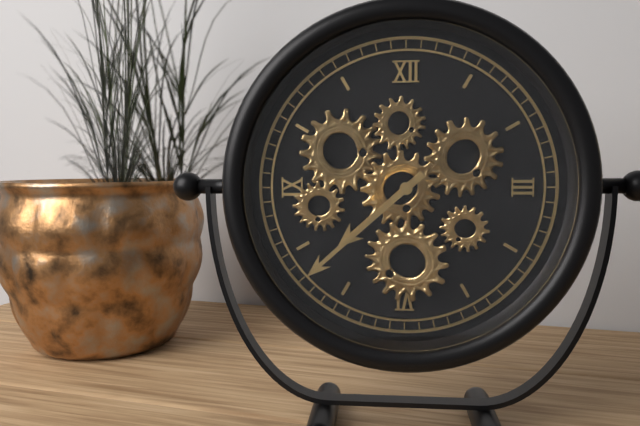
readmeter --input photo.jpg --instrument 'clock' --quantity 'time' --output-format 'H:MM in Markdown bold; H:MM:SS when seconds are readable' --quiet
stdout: **7:38**
